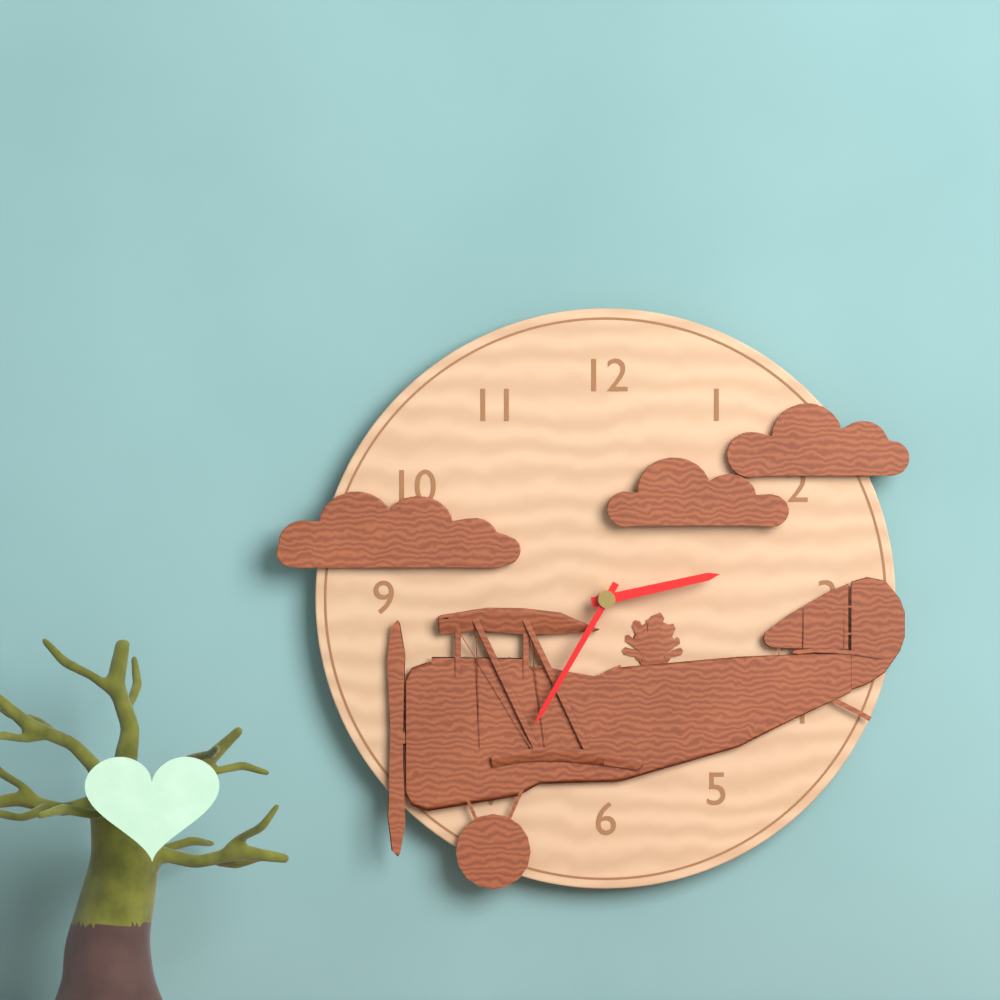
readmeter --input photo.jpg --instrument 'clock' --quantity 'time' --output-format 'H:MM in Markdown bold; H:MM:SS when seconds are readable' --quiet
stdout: **2:35**
